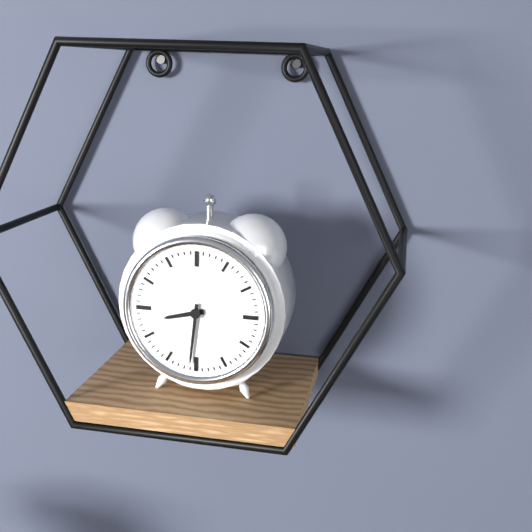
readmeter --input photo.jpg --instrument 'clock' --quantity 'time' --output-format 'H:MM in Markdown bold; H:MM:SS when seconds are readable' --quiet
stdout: **8:31**
